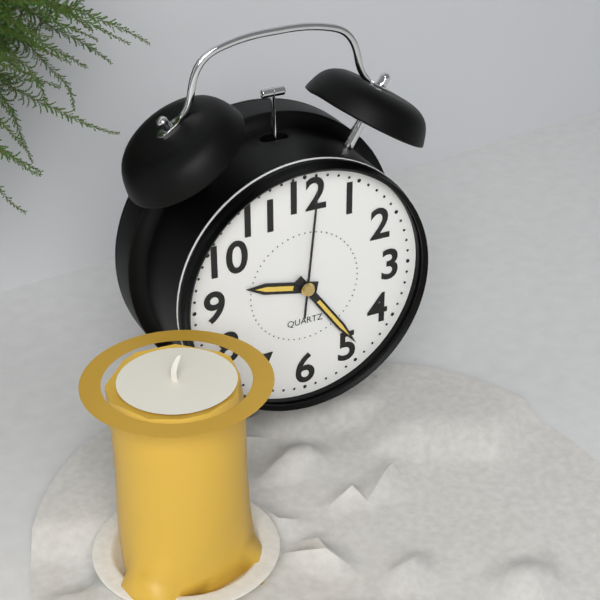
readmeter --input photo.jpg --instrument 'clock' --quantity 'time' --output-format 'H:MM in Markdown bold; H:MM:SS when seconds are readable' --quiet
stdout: **9:24:01**
